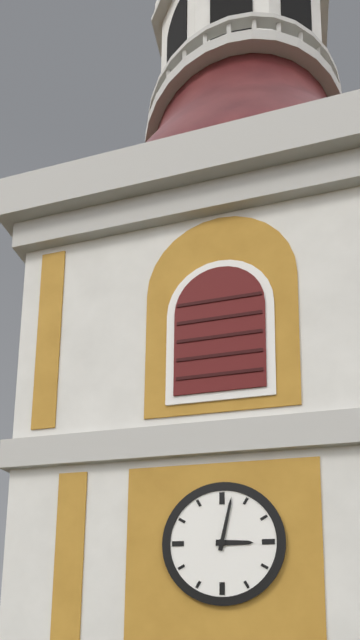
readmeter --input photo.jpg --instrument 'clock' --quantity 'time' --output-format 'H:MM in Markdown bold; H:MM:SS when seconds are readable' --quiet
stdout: **3:02**
